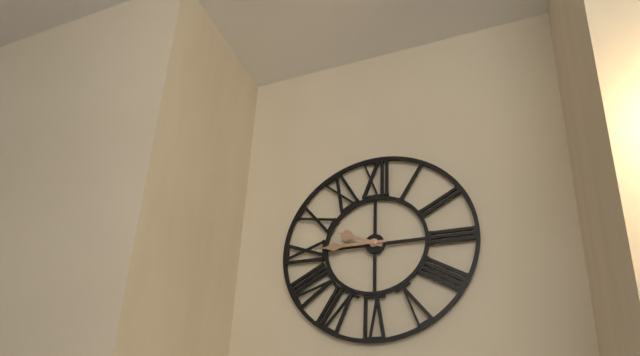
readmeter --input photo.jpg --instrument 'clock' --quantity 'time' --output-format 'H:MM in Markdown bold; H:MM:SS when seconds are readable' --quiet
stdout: **9:45**
